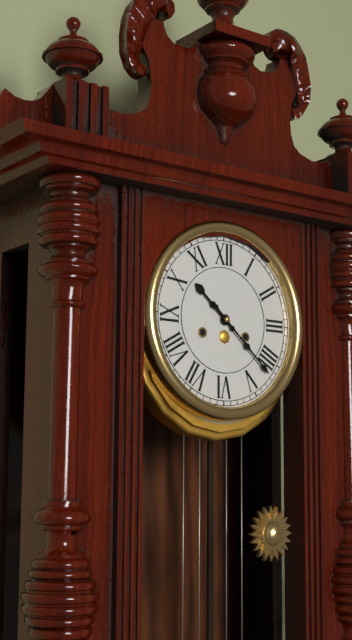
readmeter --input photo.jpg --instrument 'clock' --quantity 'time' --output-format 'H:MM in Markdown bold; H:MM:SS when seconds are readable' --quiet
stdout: **10:22**
